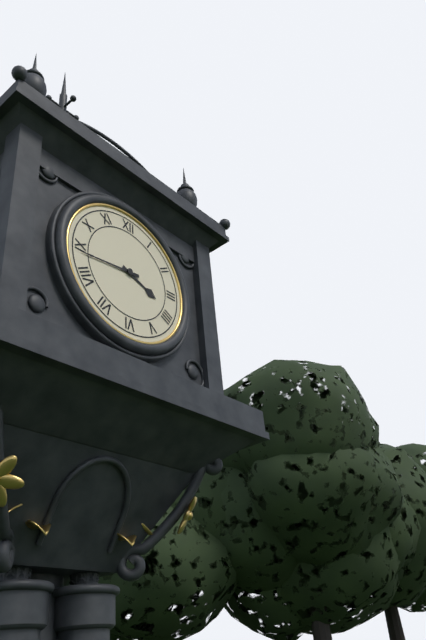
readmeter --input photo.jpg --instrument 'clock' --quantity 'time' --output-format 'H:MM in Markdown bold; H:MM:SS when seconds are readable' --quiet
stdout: **3:44**
